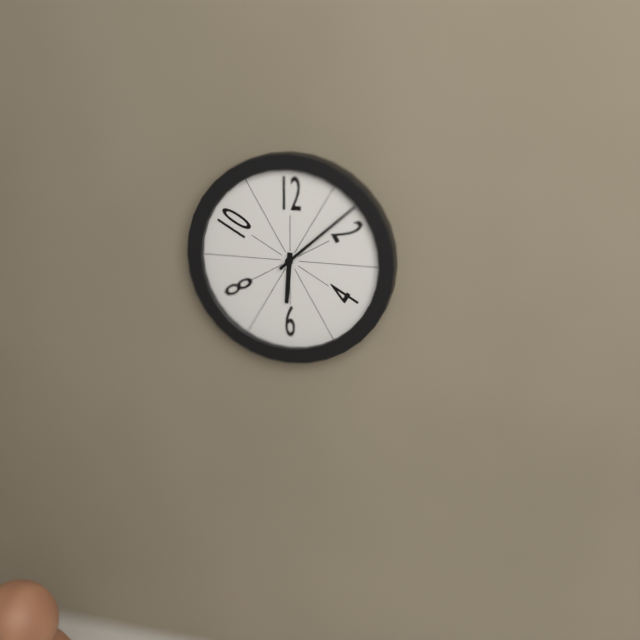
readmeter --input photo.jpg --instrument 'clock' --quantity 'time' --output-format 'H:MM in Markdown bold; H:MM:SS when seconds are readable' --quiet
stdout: **6:08**
